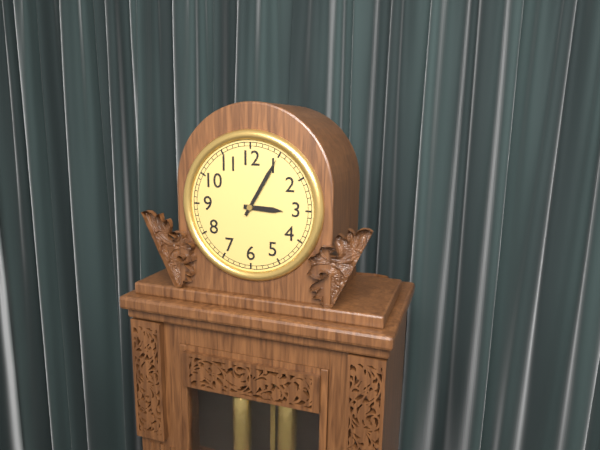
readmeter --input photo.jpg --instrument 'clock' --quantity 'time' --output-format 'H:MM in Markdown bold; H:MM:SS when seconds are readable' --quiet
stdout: **3:05**
